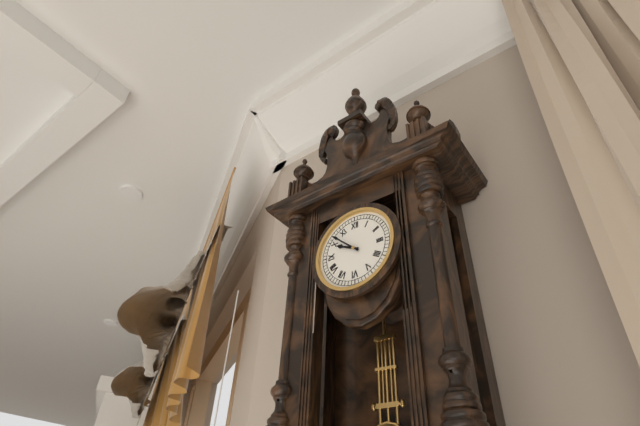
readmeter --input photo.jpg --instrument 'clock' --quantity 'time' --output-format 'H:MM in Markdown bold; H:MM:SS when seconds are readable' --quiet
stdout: **9:52**
